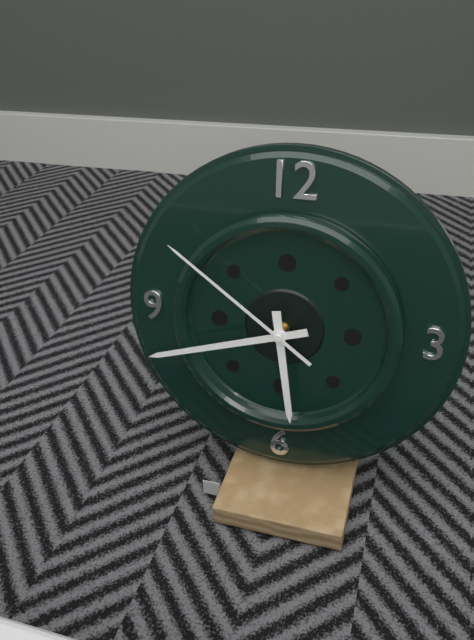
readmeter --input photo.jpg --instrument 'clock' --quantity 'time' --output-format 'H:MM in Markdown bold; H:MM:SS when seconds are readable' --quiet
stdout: **5:42:51**
